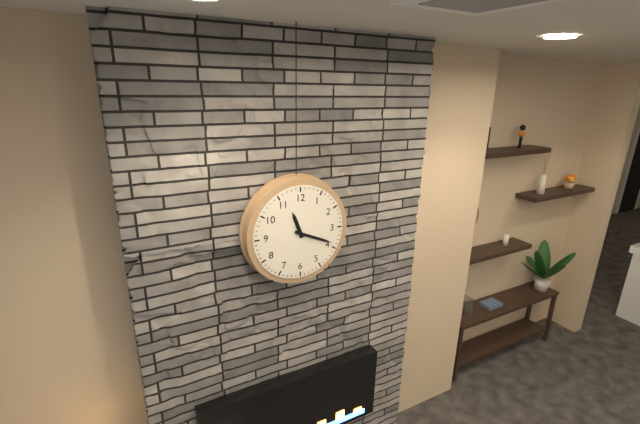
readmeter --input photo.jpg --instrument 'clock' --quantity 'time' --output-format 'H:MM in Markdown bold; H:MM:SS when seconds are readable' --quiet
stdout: **11:19**
